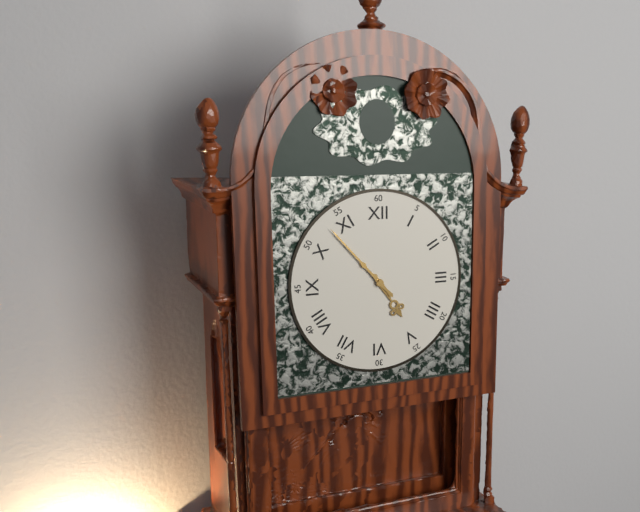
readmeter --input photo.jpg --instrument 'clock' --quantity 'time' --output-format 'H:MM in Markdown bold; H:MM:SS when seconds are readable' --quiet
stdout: **4:53**
